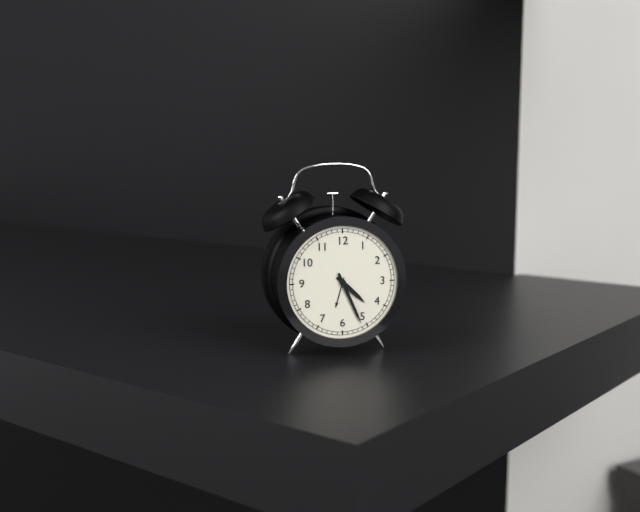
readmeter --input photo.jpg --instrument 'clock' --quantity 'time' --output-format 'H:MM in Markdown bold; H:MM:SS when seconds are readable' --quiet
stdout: **4:26**
